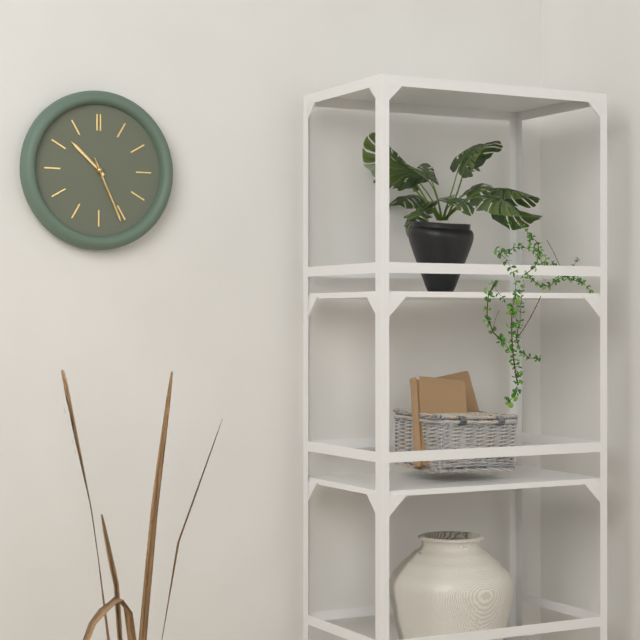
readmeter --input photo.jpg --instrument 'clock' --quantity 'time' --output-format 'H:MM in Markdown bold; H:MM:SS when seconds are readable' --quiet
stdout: **10:26:26**
